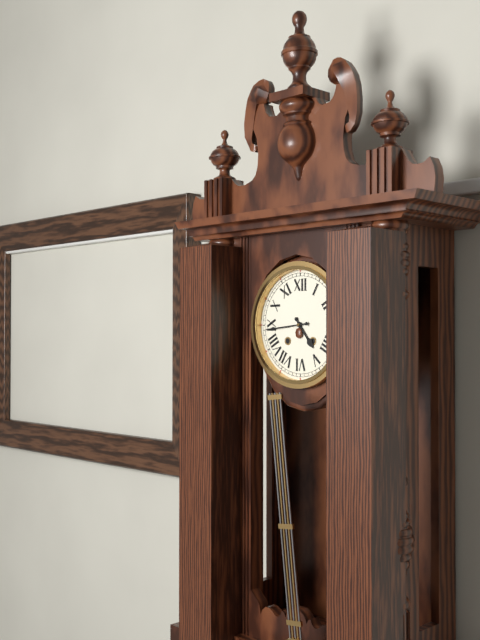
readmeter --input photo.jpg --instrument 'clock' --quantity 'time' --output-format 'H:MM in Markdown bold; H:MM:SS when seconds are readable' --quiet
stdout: **4:44**
